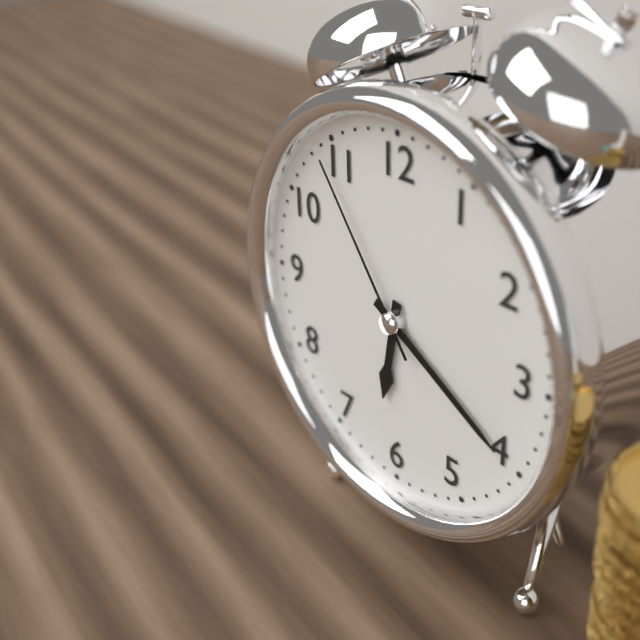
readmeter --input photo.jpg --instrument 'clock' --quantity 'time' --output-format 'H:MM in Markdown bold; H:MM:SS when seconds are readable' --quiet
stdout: **6:20:54**
